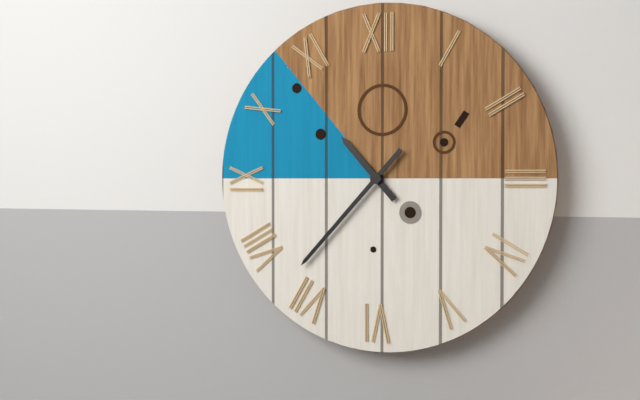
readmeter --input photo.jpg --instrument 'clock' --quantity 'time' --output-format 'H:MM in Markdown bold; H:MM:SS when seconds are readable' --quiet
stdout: **10:37**
